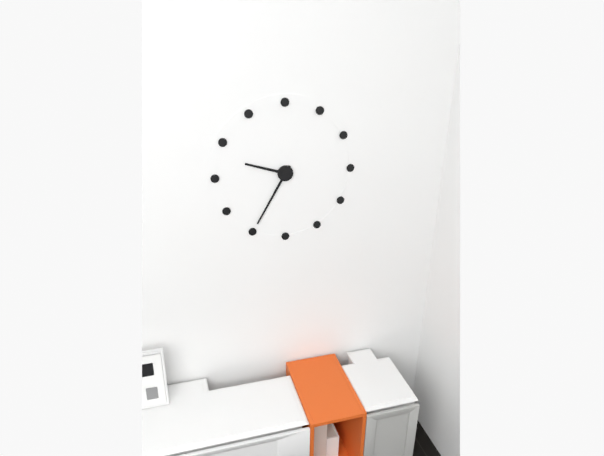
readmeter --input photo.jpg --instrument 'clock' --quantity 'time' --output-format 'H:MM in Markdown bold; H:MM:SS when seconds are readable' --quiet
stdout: **9:35**
